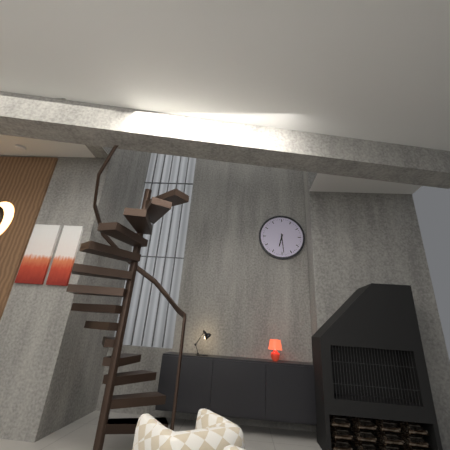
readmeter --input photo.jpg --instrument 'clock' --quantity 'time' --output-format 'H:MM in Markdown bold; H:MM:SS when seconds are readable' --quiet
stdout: **6:29**
